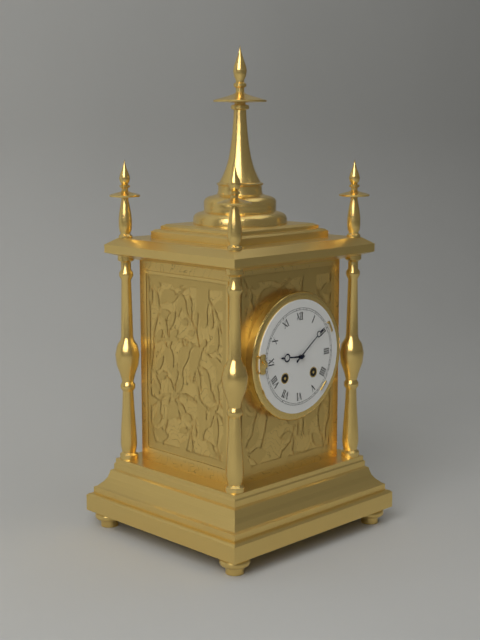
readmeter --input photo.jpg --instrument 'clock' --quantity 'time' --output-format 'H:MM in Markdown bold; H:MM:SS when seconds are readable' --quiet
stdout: **9:09**
